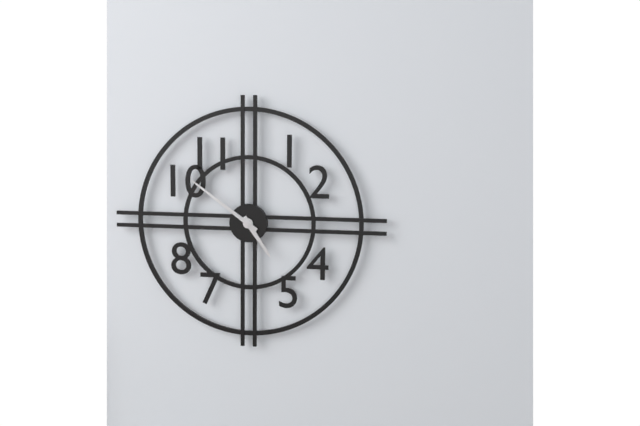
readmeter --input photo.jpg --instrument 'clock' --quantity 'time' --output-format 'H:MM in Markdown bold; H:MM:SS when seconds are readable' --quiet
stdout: **4:51**
